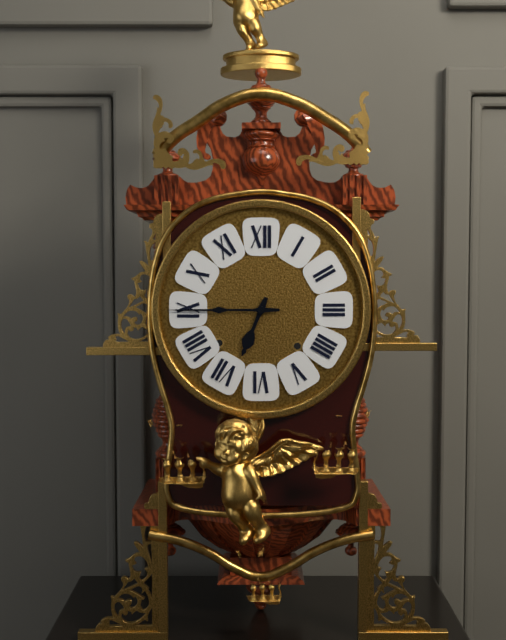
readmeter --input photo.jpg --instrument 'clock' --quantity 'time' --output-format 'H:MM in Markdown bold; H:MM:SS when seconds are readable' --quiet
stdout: **6:45**
